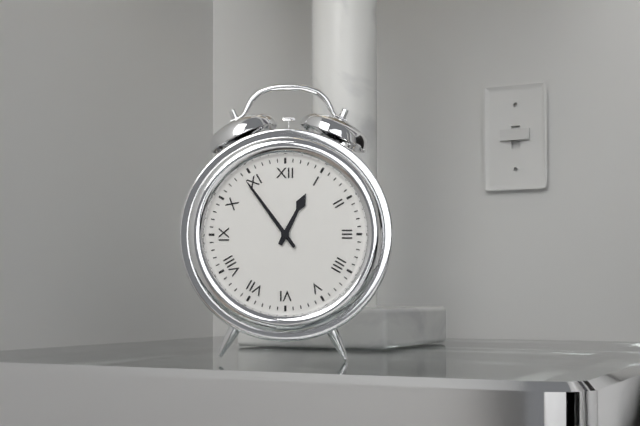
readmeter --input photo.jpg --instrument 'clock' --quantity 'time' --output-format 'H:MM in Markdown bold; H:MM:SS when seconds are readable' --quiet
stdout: **12:54**
